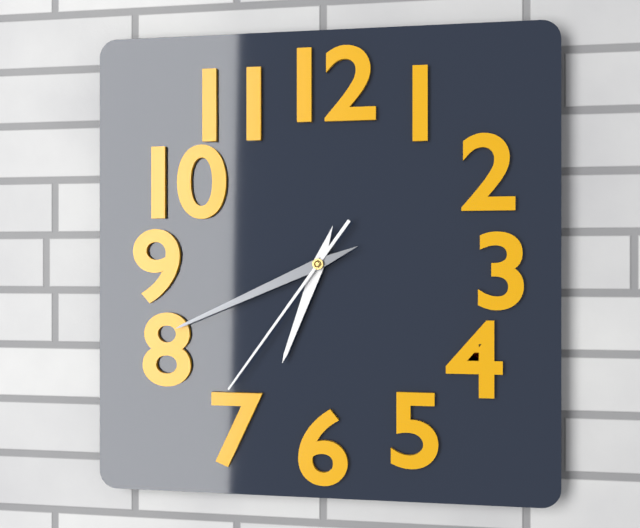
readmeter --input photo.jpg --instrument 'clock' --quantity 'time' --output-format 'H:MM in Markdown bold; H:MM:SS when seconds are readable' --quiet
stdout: **6:41:36**
